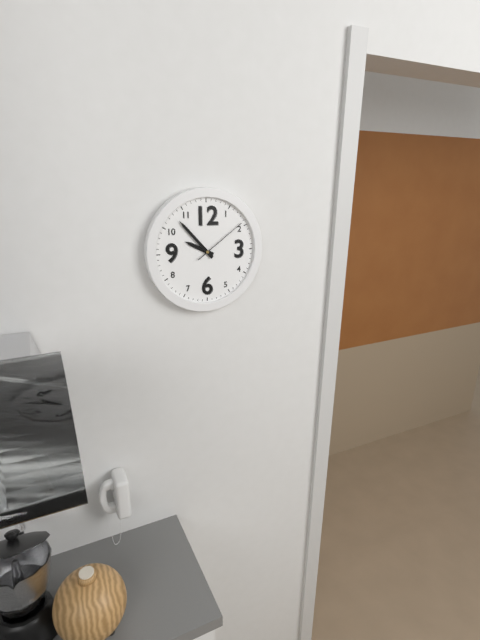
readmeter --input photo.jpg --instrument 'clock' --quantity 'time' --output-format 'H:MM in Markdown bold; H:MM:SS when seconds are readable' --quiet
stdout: **9:53:09**
